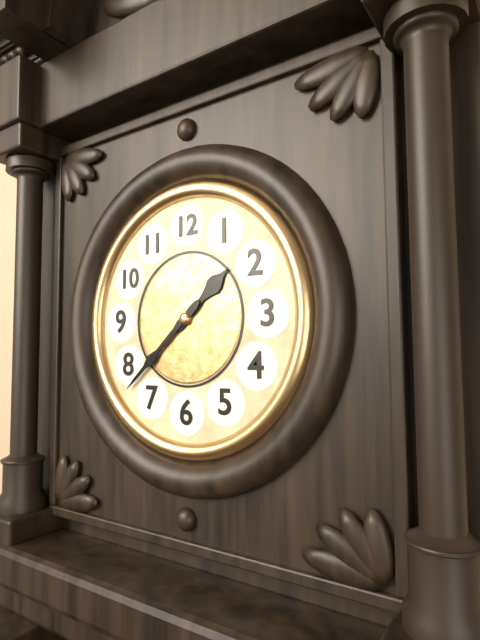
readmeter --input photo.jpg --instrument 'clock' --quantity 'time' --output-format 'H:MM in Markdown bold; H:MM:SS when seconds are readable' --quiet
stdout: **1:38**
